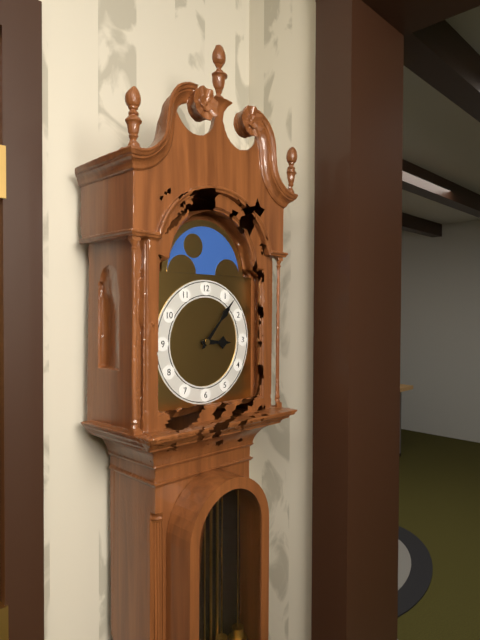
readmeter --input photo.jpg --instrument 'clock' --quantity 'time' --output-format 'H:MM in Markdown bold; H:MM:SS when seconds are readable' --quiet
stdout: **3:07**
